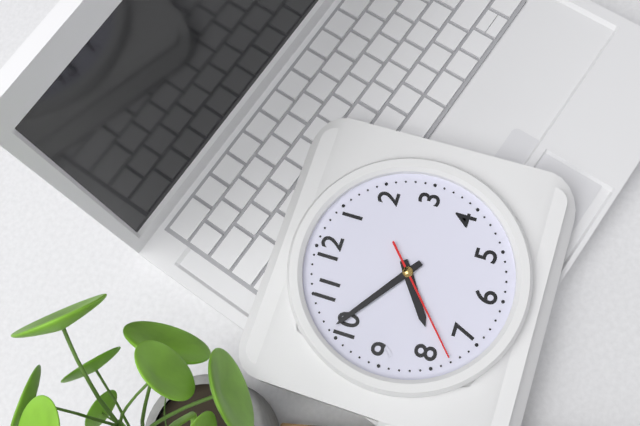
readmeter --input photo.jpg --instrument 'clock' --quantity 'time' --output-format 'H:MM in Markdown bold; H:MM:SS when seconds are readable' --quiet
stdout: **7:51:38**
